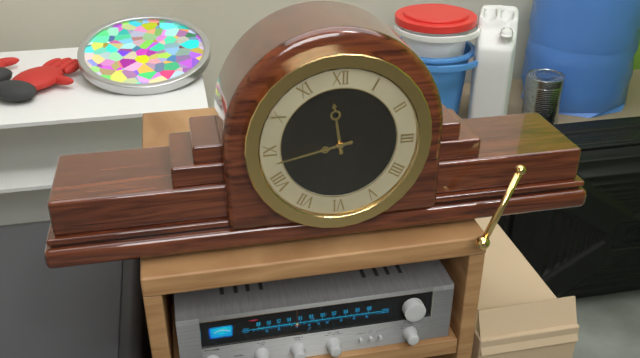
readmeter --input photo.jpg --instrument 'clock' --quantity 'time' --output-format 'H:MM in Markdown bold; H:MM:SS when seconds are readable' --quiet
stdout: **11:43**
